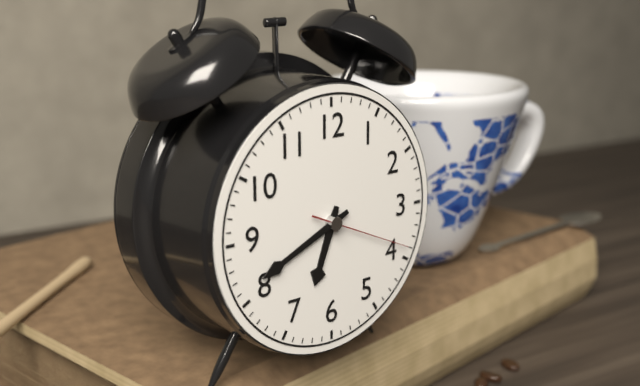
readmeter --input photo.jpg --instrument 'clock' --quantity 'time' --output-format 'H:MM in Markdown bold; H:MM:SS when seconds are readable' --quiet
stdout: **6:41:19**
